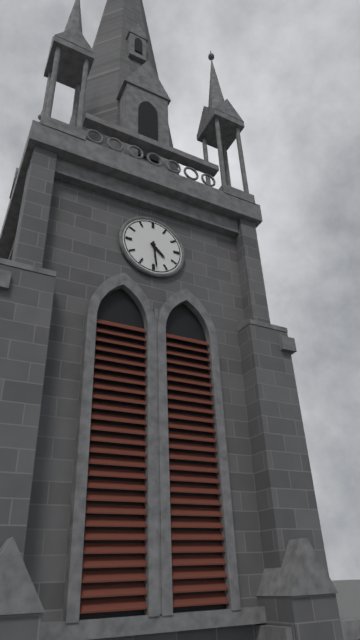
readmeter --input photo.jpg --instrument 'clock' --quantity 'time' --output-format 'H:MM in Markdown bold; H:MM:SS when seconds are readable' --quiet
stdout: **4:29**
